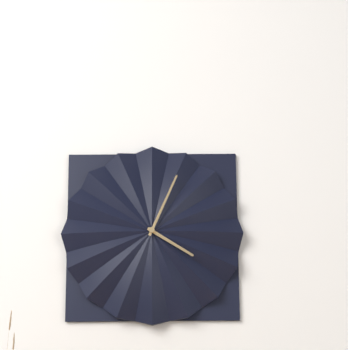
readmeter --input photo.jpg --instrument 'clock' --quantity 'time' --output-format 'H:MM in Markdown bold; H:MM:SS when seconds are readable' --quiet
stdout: **4:04**
